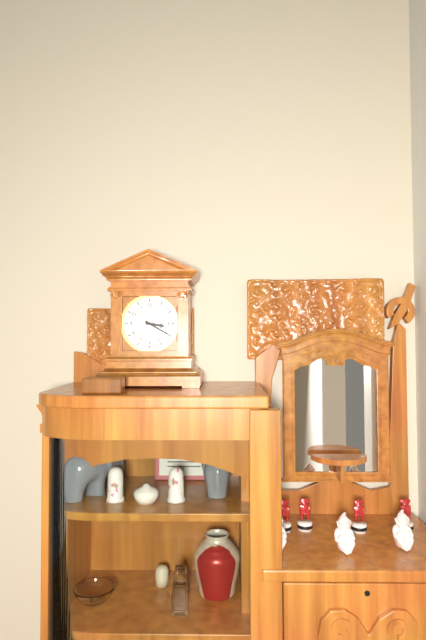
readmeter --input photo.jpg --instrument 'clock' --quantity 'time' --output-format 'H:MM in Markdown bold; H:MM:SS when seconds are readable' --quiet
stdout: **3:20**
